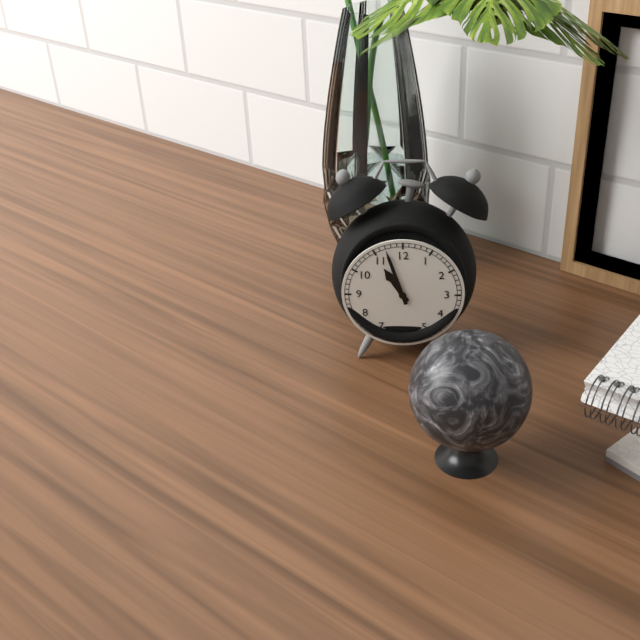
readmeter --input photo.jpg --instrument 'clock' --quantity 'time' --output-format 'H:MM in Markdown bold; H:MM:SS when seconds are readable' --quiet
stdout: **10:57**
